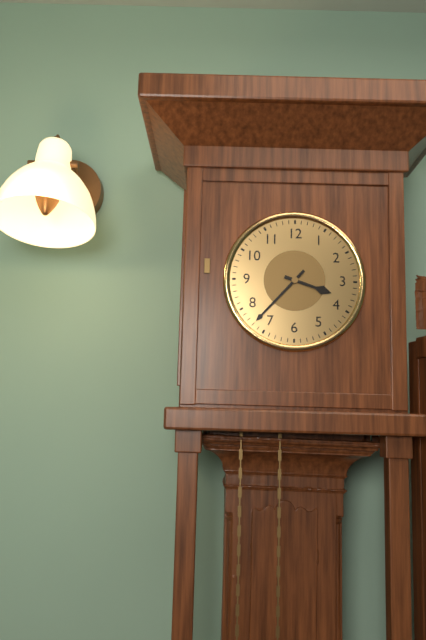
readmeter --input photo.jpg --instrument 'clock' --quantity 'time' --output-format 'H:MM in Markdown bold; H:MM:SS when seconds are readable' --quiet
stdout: **3:37**
